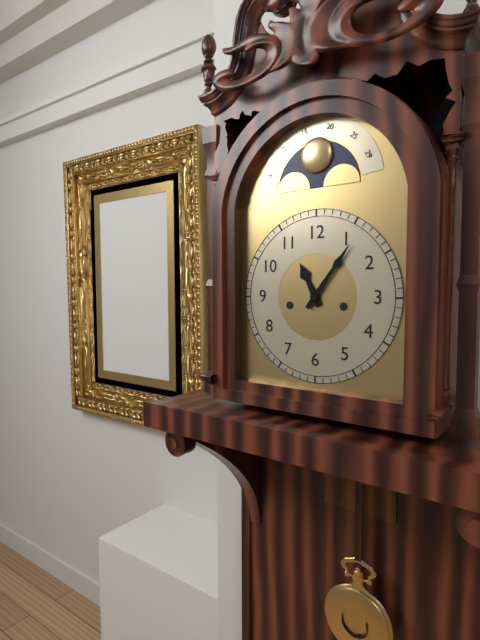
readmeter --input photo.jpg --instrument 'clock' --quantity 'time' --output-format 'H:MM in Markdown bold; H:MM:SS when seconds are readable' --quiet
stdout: **11:06**
